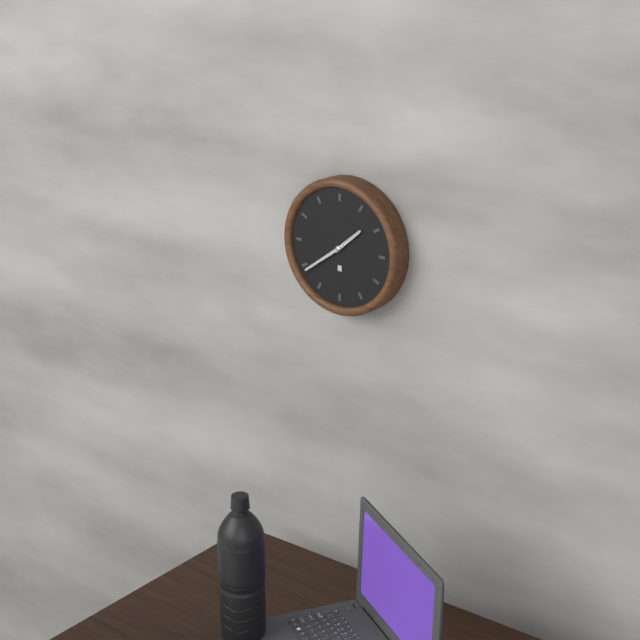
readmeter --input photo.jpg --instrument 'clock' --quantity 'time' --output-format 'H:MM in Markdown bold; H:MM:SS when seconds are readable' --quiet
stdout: **1:39**
